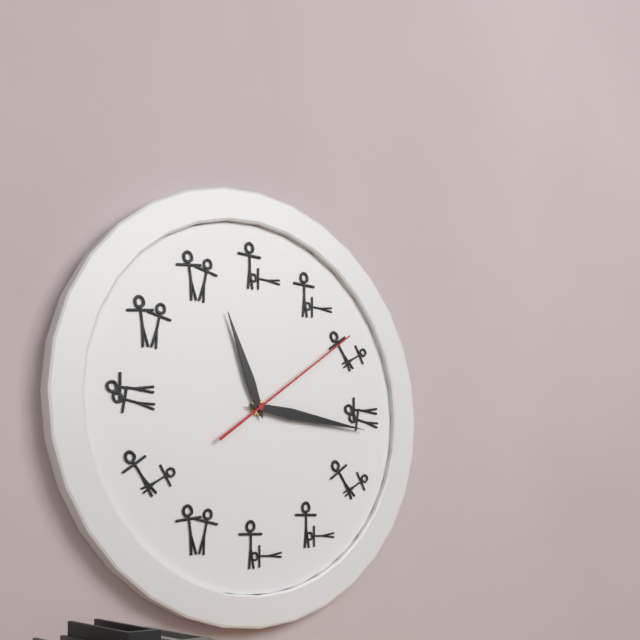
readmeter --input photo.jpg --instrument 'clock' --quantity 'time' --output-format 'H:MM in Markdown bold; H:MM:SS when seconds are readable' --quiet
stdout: **11:16:09**
